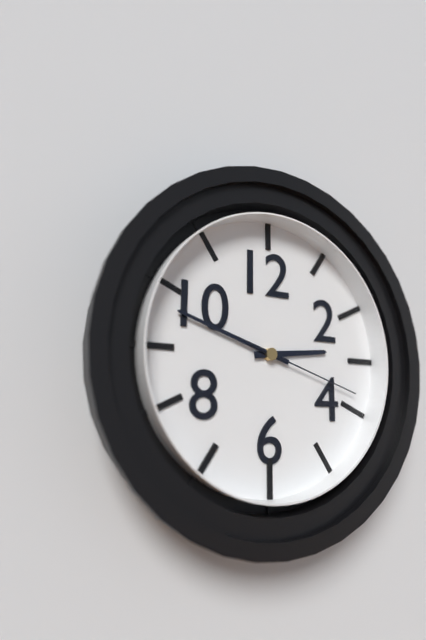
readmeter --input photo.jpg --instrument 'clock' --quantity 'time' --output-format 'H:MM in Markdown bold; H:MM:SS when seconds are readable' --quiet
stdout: **2:48:18**
